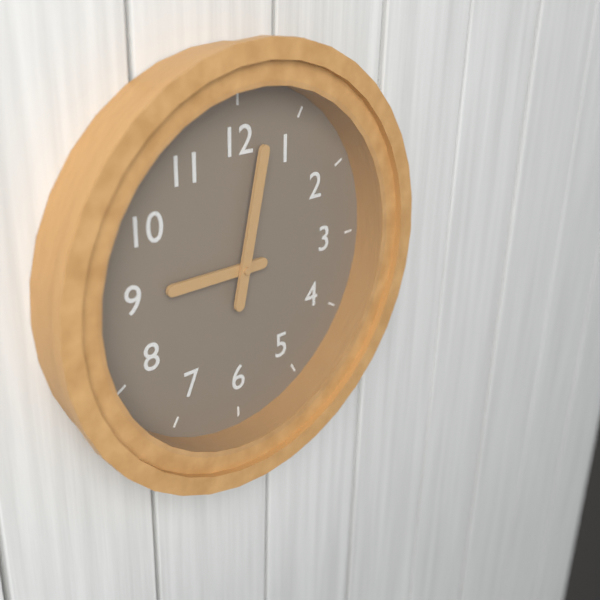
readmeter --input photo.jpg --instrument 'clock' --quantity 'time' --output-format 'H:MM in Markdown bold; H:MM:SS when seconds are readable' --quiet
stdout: **9:02**
